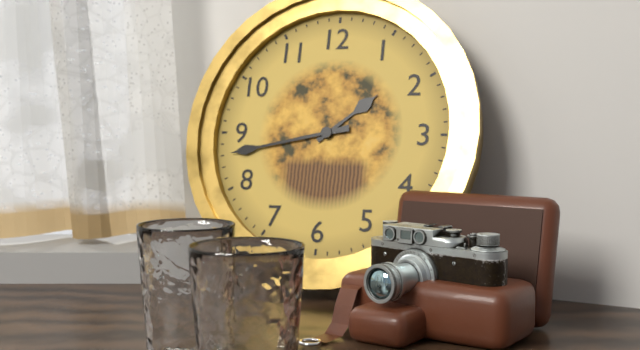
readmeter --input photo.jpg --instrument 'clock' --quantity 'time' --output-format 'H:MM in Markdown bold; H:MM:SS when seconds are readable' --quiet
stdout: **1:43**
